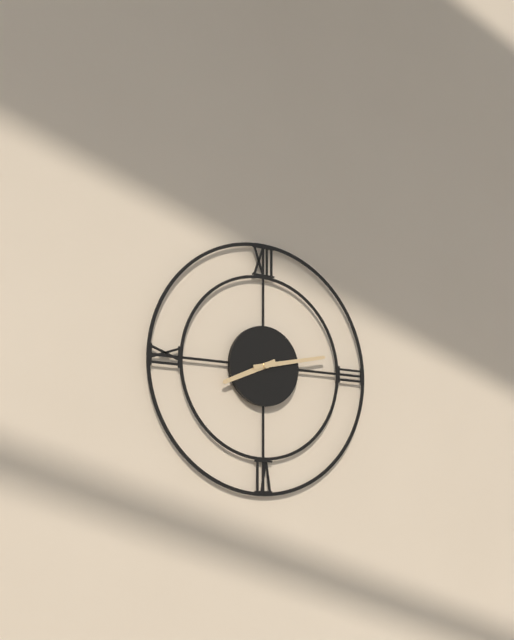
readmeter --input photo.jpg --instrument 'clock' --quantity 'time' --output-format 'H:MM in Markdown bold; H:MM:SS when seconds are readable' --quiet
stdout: **8:13**
